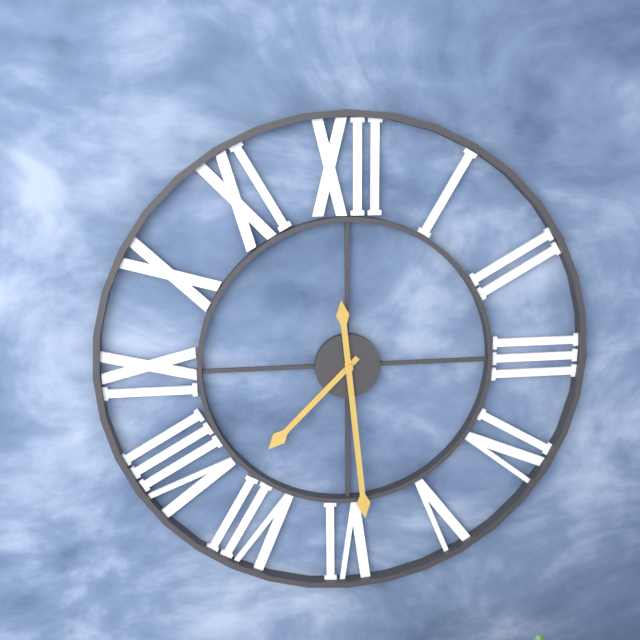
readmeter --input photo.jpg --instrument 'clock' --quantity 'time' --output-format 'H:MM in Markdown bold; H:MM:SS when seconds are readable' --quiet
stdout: **7:29**
